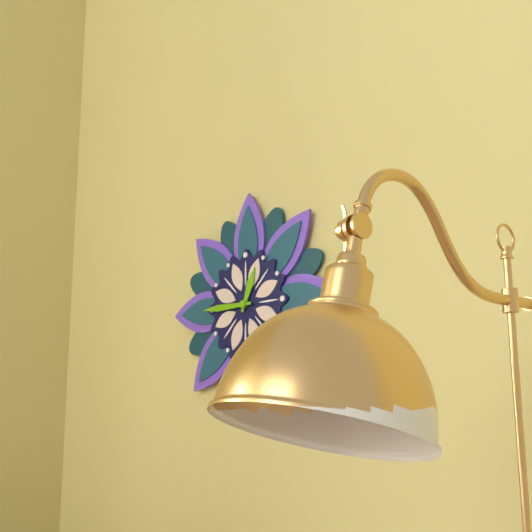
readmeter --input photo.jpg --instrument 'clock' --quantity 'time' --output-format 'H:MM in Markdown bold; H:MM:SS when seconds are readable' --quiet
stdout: **12:45**
